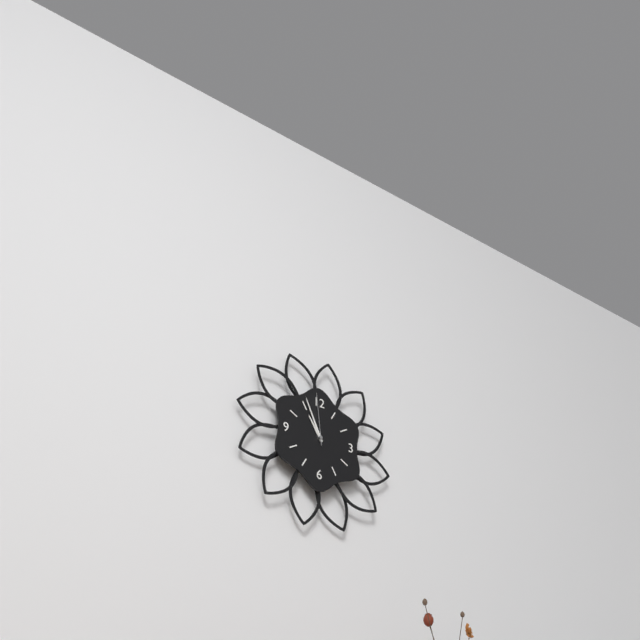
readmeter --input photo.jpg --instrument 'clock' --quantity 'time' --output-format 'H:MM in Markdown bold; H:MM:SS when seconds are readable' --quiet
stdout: **10:56:59**
